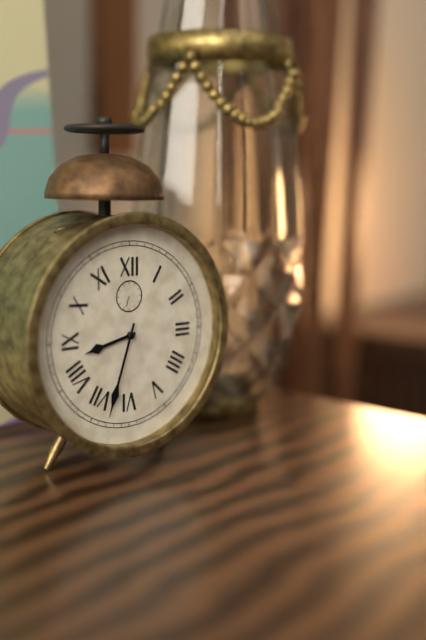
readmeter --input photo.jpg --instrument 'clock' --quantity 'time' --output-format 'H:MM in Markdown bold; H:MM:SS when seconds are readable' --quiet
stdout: **8:33**
